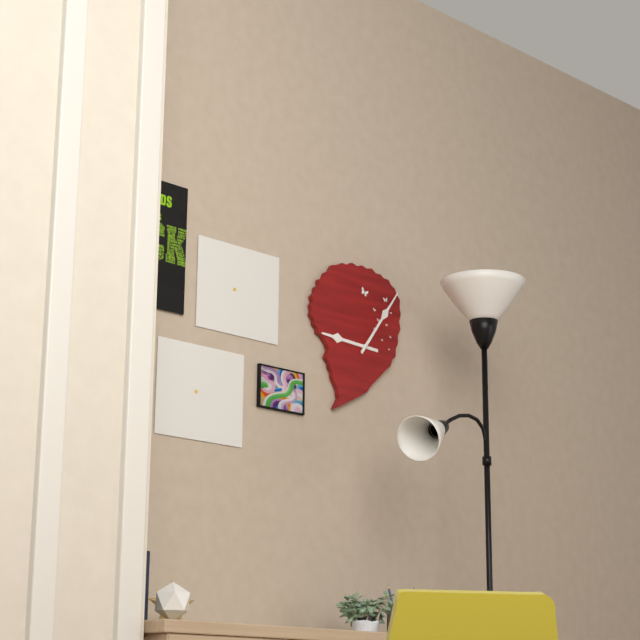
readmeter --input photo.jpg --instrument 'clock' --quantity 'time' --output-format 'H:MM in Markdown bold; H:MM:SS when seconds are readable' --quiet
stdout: **9:06**
